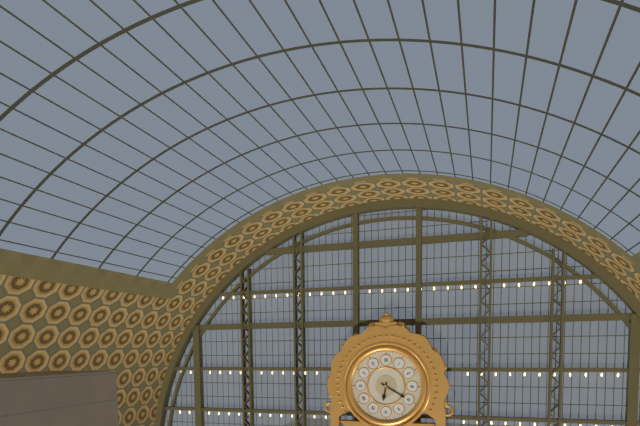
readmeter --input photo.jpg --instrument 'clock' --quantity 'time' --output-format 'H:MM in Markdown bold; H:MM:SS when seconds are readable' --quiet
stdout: **6:20**
